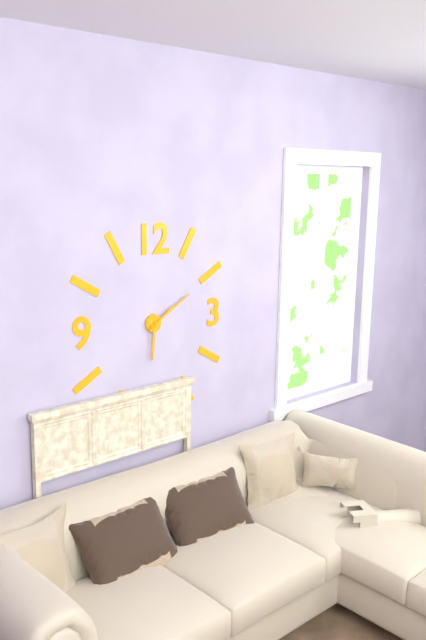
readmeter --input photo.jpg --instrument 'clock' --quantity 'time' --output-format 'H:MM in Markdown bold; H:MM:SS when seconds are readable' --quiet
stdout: **6:10**
